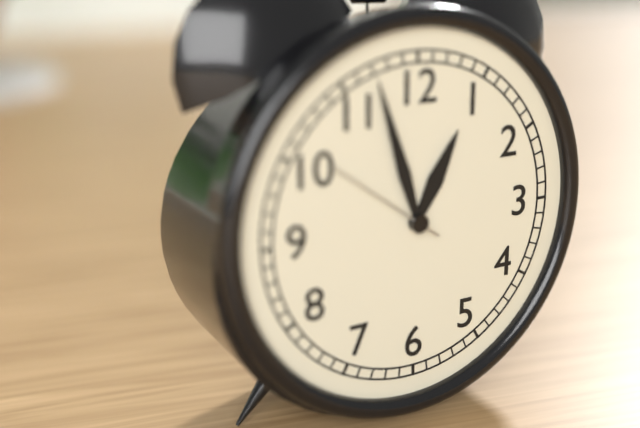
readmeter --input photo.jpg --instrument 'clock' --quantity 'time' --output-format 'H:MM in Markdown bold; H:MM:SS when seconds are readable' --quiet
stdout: **12:57:51**
